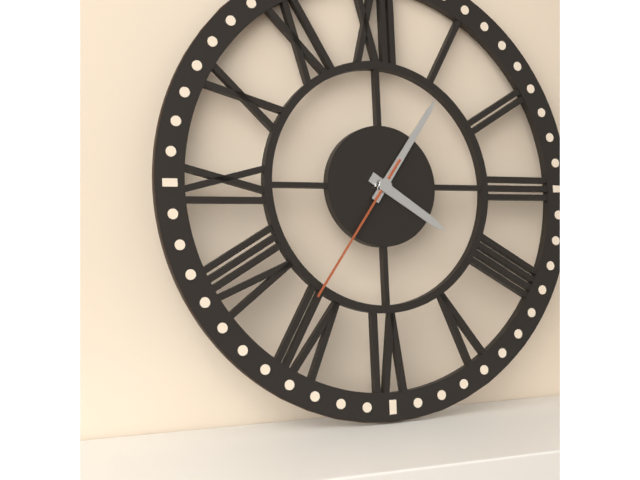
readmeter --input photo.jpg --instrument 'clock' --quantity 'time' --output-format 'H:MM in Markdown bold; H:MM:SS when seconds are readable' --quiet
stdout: **4:06:36**
